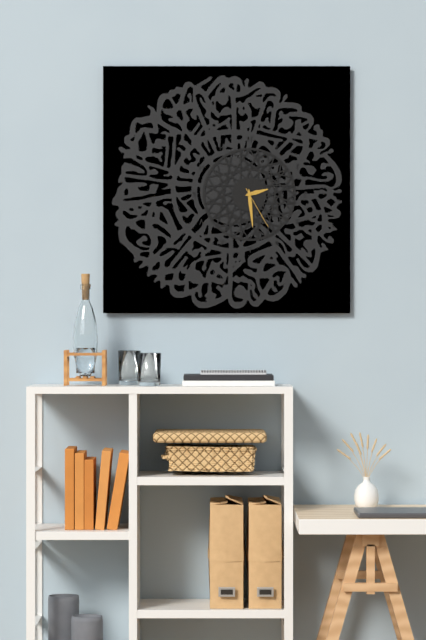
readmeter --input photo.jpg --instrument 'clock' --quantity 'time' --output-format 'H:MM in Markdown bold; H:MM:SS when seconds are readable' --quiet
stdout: **2:29**
